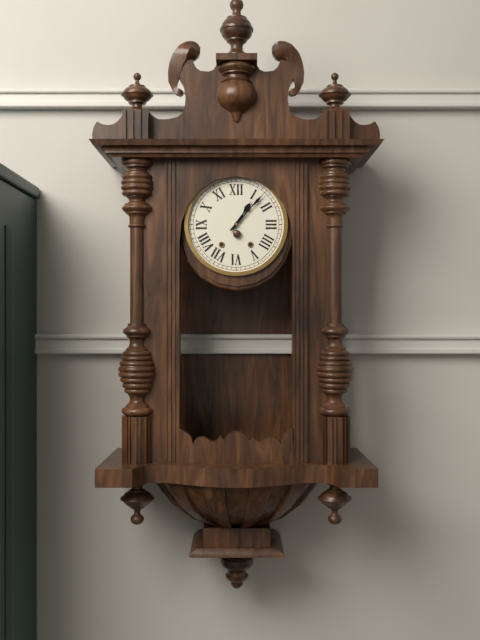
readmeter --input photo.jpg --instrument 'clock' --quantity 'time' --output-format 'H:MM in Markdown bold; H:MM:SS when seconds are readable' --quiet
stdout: **1:07**
